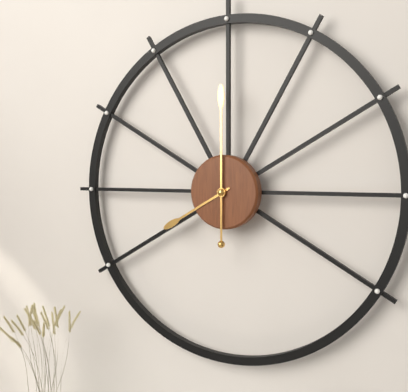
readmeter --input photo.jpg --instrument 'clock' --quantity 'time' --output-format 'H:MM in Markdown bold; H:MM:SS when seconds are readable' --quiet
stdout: **8:00**
